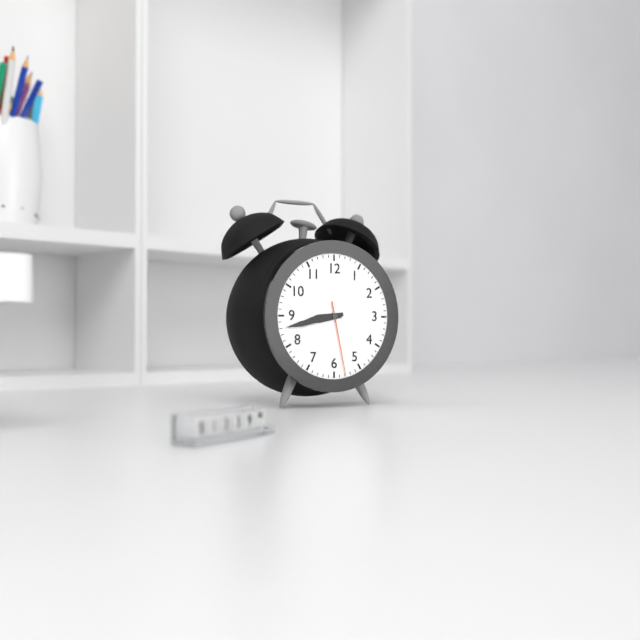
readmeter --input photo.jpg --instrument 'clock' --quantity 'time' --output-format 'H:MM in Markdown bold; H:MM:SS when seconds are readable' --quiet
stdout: **8:43:28**
